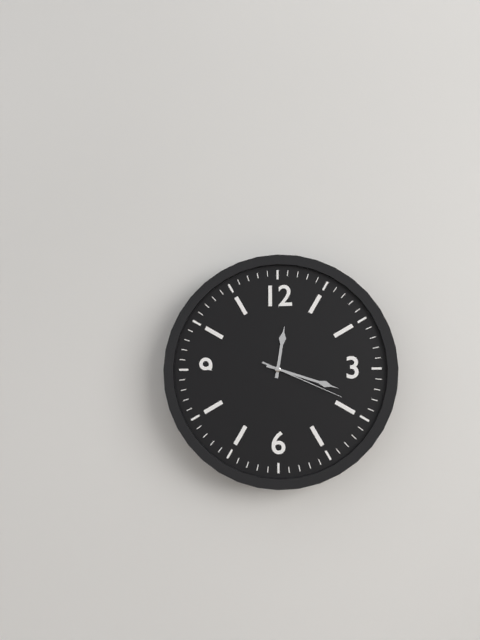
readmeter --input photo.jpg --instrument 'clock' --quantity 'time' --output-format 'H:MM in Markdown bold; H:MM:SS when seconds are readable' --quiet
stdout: **12:18:19**
